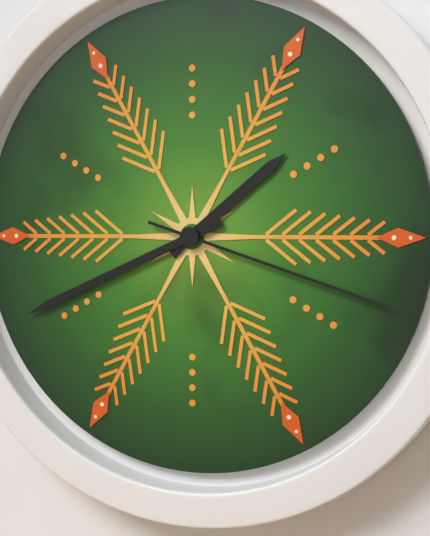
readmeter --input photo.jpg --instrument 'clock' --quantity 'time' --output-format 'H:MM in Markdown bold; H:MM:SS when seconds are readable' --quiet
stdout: **1:41:18**
